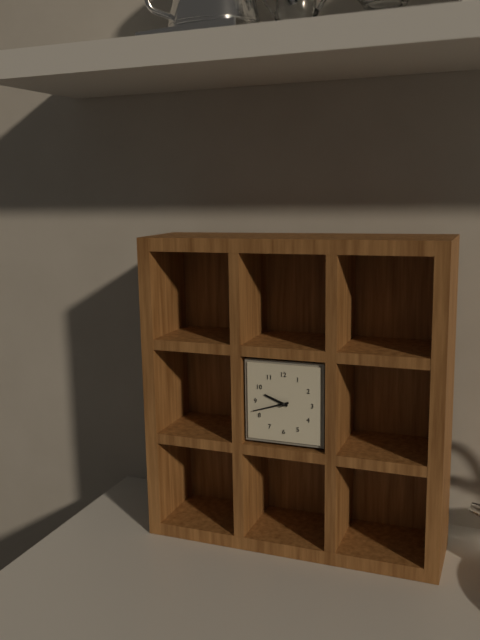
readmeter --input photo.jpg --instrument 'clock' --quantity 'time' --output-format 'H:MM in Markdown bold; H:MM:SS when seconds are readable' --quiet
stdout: **9:42**
